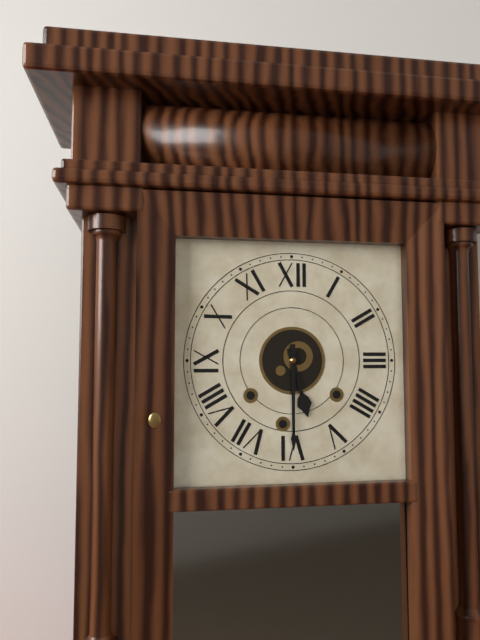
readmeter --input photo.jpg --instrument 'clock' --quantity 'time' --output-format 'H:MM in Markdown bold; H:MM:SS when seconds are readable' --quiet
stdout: **5:30**
